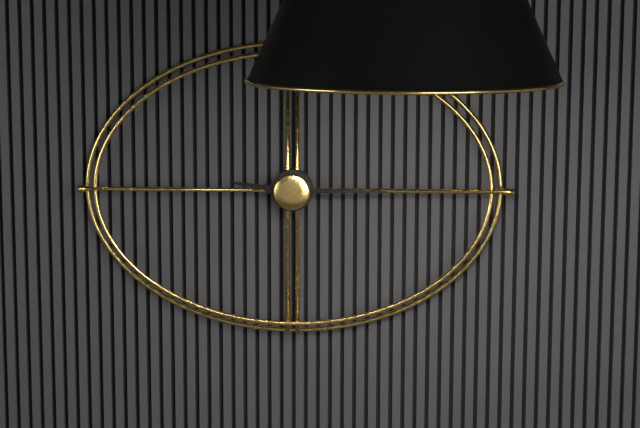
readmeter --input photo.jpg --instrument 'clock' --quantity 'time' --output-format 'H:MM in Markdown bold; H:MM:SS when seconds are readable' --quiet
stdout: **9:15**
